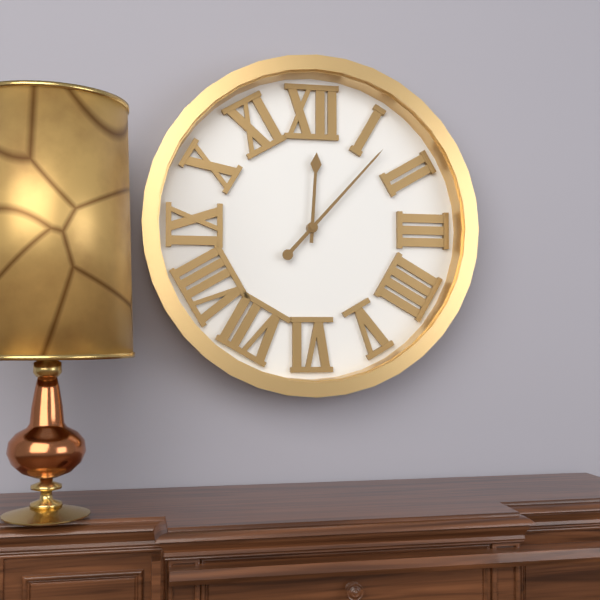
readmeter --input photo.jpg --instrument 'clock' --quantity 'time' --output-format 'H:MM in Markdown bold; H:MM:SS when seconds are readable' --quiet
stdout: **12:07**
